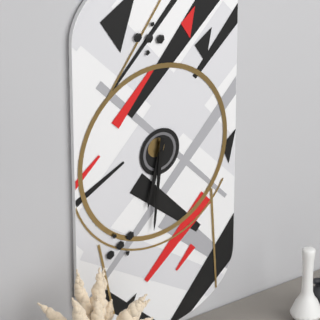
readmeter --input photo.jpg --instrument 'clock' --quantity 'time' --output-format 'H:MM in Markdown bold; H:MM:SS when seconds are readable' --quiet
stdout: **6:31**
